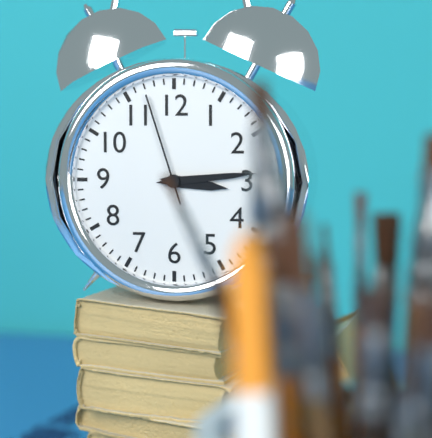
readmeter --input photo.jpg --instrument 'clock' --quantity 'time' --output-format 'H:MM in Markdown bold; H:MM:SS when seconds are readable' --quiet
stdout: **3:14:57**
